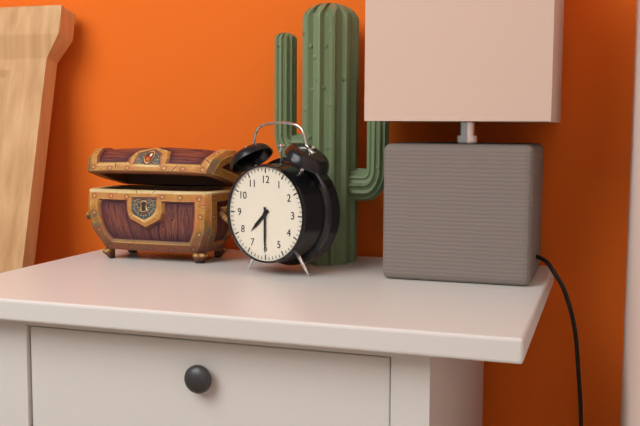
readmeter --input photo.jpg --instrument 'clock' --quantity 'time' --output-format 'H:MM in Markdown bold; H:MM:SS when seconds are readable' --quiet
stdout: **7:30**
